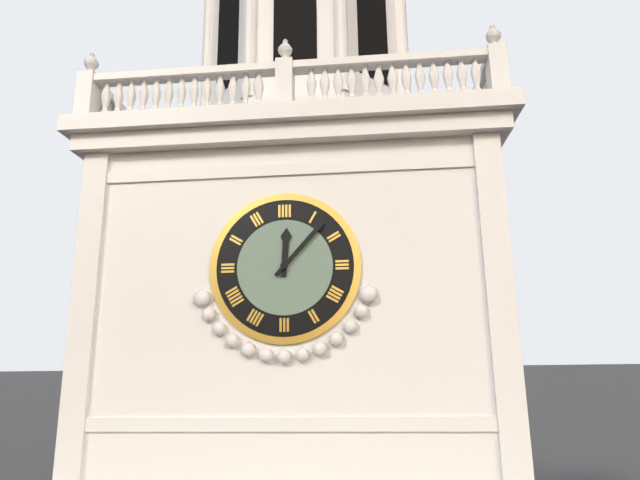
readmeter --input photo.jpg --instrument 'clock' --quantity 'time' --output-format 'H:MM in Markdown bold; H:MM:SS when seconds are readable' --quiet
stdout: **12:07**
